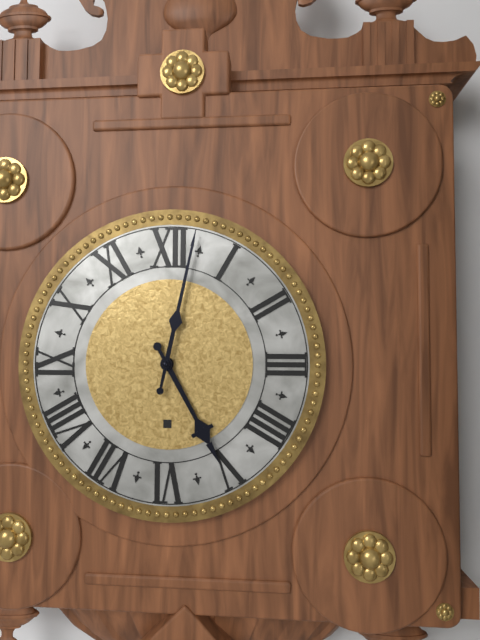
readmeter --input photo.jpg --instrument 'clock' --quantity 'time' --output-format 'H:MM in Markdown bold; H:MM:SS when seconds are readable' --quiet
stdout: **5:02**
